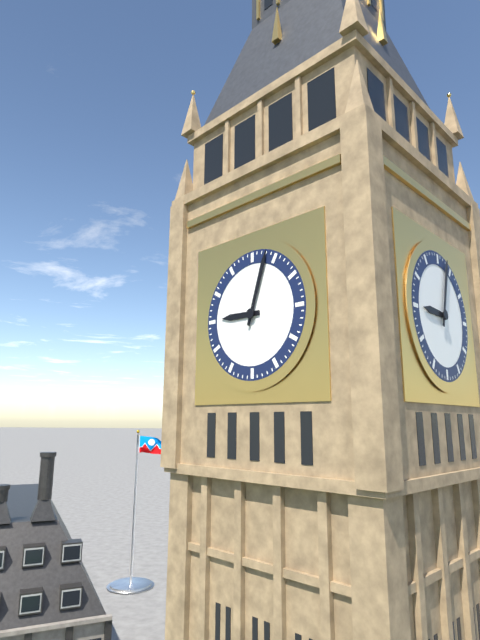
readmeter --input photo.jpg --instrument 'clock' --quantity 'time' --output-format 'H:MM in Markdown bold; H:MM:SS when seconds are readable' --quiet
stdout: **9:03**
